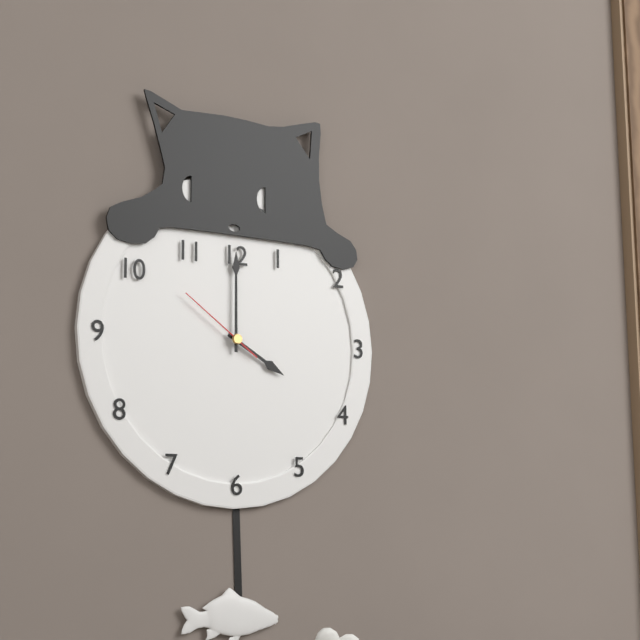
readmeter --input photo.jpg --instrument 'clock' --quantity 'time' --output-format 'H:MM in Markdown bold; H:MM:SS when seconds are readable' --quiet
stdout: **4:00:51**
